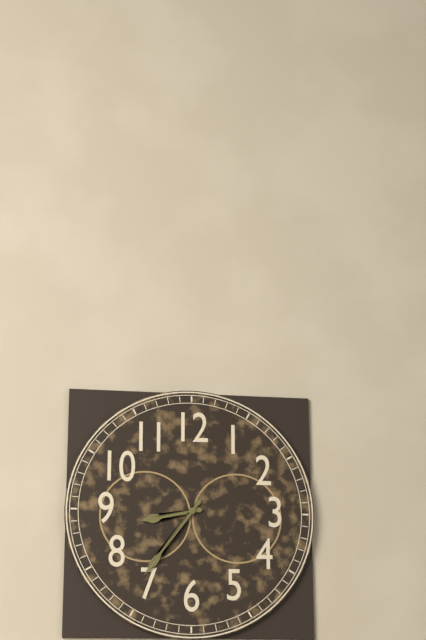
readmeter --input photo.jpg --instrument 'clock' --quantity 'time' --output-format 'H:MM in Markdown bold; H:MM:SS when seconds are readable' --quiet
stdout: **8:36**
